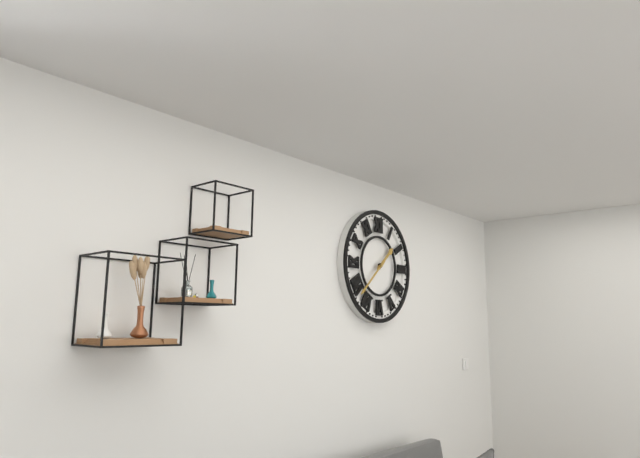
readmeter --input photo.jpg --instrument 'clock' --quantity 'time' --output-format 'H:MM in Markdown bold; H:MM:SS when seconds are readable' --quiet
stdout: **1:38**
